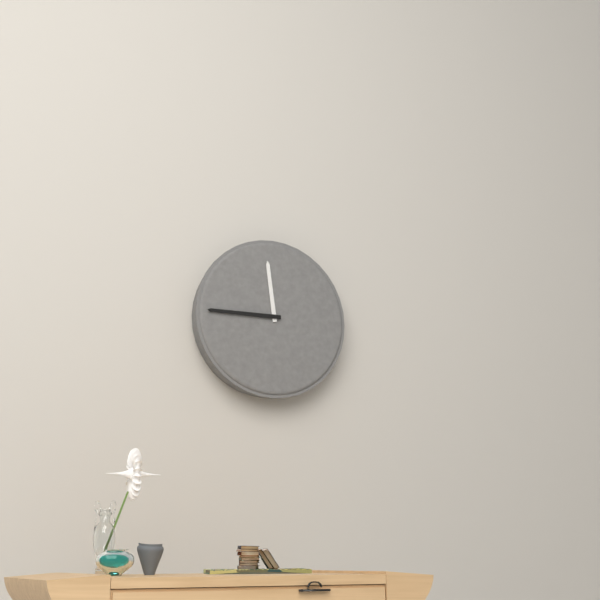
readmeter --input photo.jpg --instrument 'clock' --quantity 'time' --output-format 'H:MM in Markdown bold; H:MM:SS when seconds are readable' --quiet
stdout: **11:45**
